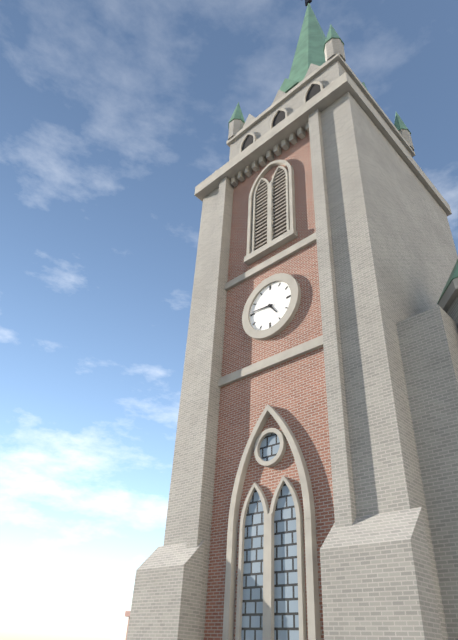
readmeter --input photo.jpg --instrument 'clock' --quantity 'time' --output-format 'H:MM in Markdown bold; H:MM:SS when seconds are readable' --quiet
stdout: **4:46**
